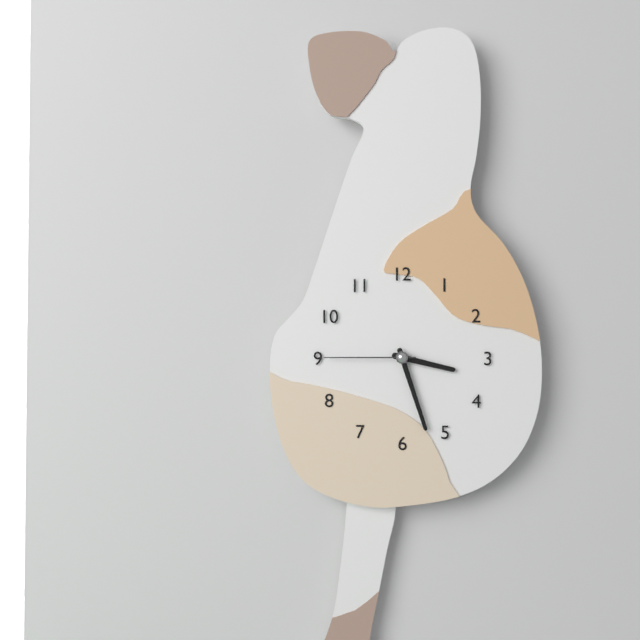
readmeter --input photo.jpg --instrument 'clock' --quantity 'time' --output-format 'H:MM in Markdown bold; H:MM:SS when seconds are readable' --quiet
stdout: **3:27:45**
